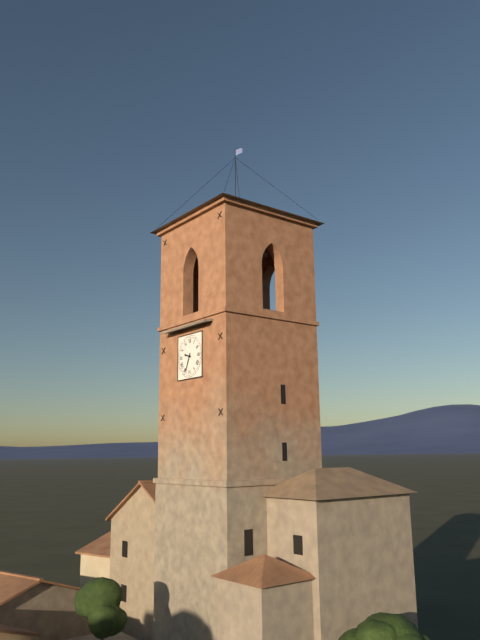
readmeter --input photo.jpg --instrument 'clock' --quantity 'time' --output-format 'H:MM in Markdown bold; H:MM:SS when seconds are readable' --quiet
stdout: **9:34**
